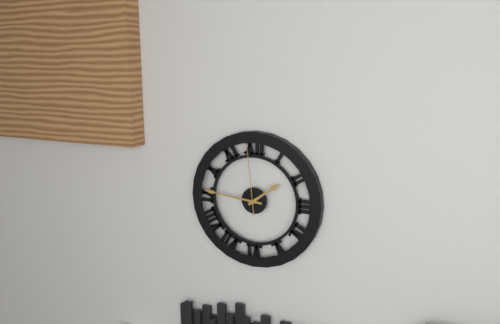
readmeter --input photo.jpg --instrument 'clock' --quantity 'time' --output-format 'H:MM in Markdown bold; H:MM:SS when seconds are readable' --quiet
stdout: **1:46:59**
